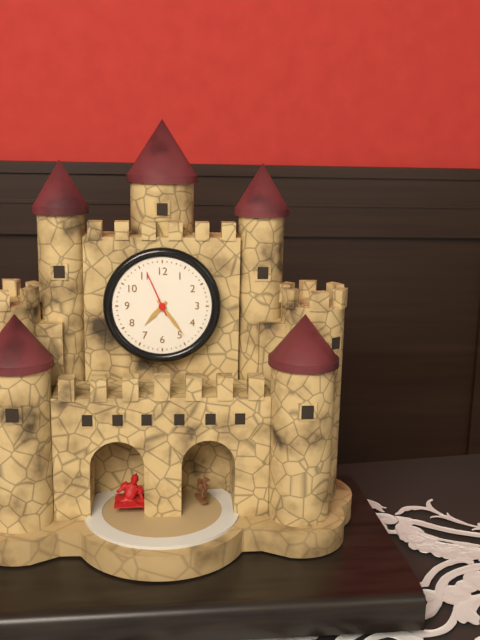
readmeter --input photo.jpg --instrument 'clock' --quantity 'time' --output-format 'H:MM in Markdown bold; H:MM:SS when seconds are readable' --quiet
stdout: **7:24:56**
